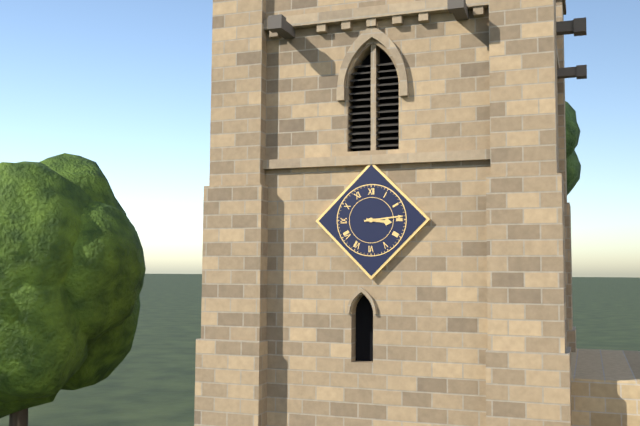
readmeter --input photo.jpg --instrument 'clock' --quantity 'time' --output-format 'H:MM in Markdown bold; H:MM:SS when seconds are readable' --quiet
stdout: **3:14**
